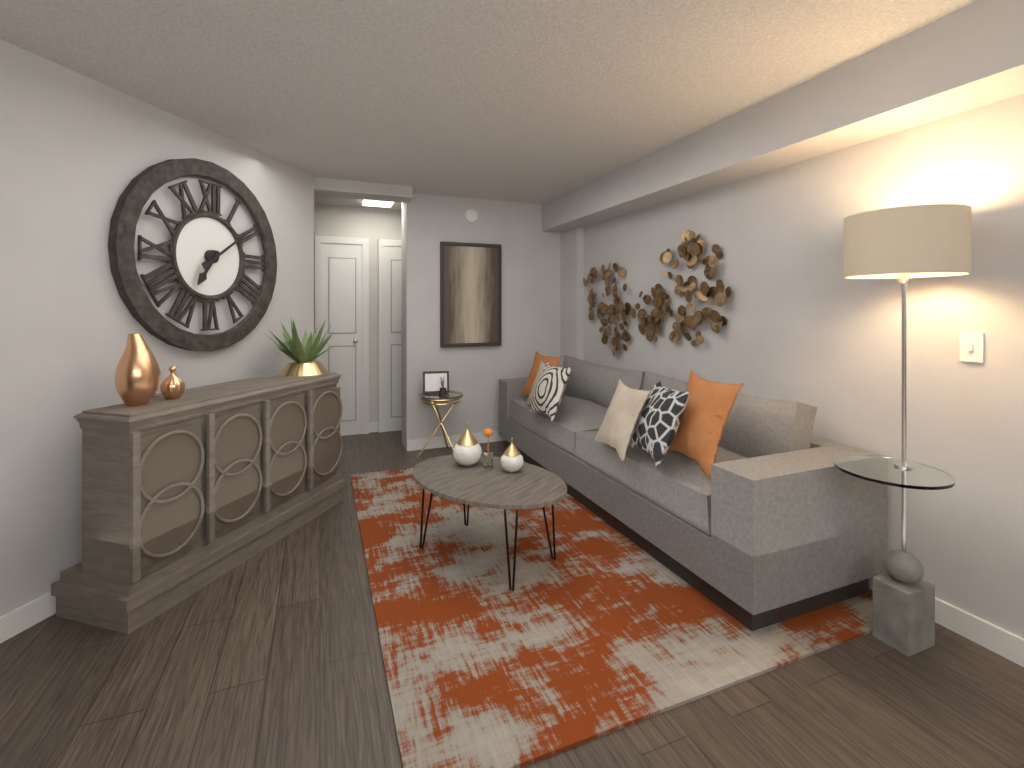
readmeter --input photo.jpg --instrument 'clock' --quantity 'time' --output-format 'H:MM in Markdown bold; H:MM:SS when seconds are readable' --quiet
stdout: **7:09**
